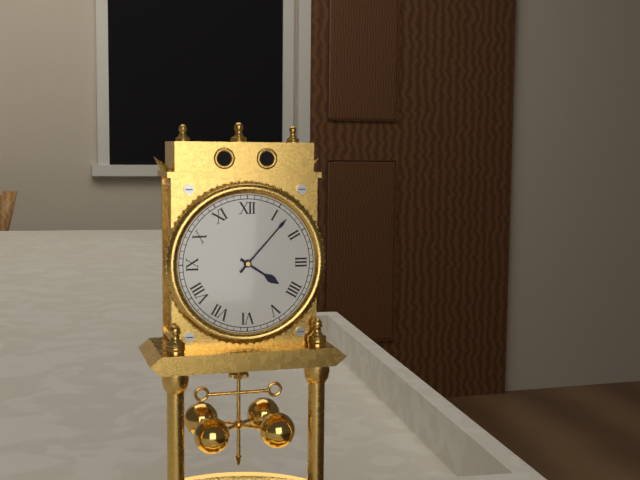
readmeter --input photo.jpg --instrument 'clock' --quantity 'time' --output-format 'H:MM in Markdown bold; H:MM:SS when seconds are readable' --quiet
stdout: **4:07**
